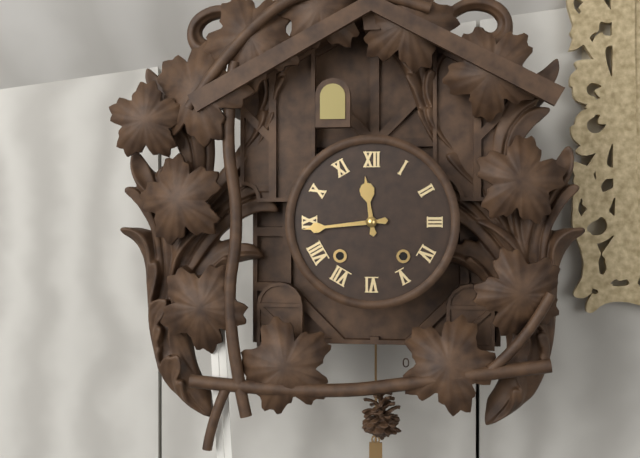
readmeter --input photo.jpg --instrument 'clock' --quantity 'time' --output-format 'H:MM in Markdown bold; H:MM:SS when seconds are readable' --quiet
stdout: **11:44**
